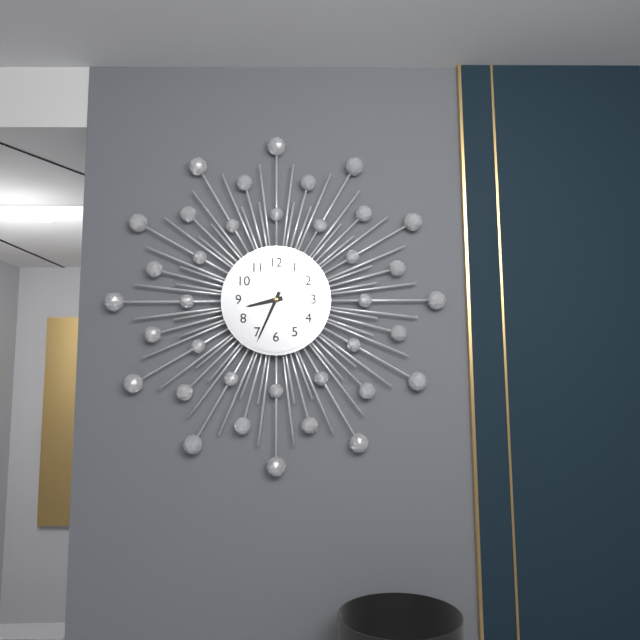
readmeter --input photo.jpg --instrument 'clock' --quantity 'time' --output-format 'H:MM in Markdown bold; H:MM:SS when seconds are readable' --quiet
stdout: **8:34**
